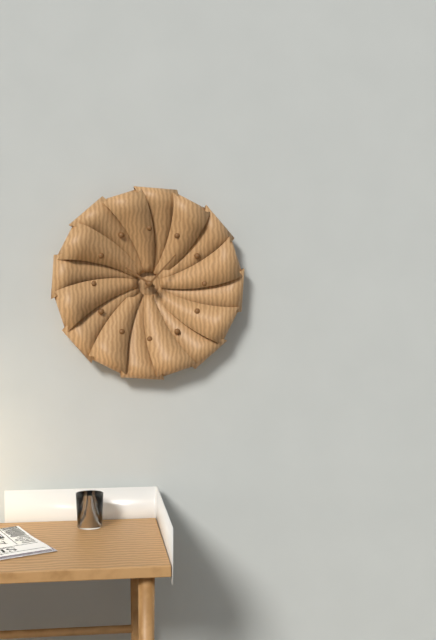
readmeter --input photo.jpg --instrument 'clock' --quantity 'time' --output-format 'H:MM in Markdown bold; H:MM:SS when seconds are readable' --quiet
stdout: **10:07**
